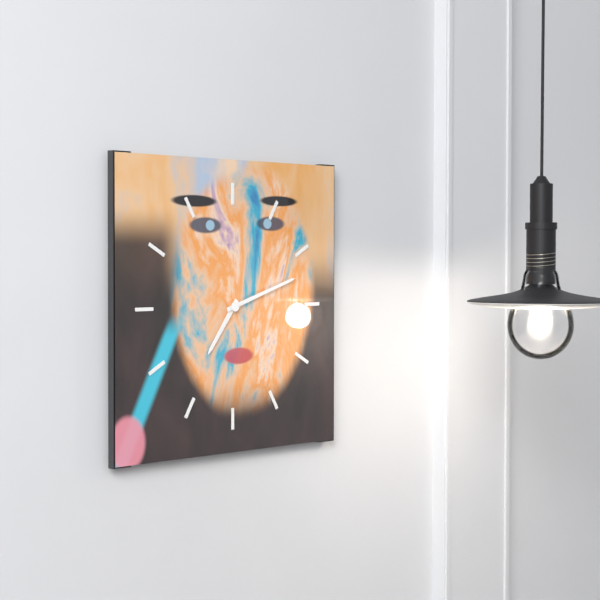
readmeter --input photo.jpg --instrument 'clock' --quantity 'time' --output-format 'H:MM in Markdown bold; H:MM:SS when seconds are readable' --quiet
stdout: **7:12**
